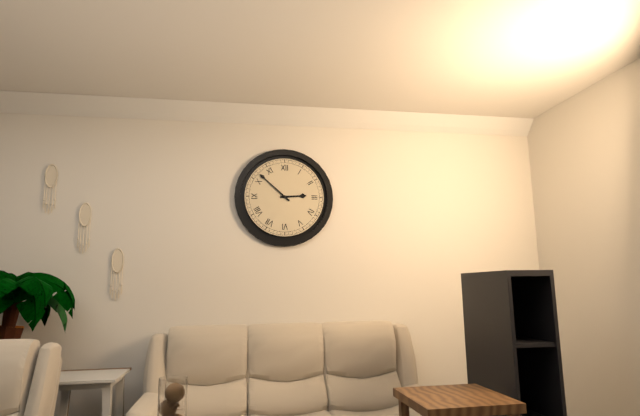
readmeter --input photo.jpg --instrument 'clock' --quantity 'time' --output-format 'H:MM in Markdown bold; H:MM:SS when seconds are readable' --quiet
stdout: **2:52**
